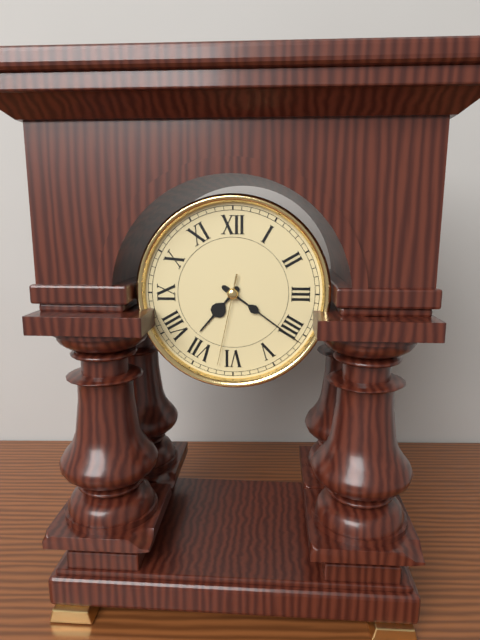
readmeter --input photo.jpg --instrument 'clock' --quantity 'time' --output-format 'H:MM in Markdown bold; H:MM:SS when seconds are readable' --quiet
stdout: **7:21:32**
